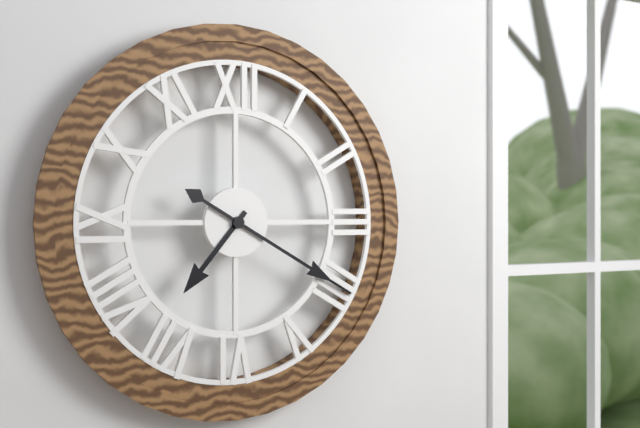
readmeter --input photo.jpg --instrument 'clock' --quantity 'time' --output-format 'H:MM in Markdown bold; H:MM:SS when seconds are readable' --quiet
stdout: **7:20**
